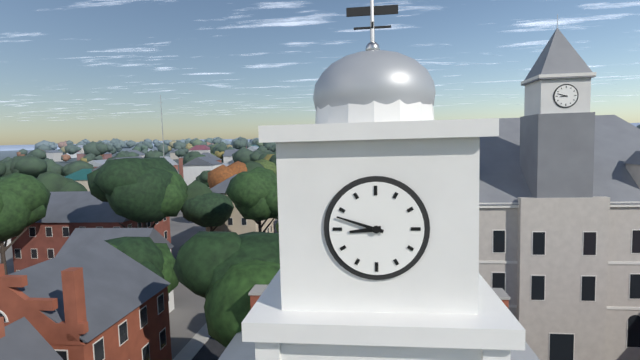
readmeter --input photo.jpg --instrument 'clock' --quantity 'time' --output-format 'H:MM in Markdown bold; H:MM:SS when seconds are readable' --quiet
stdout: **8:48**
